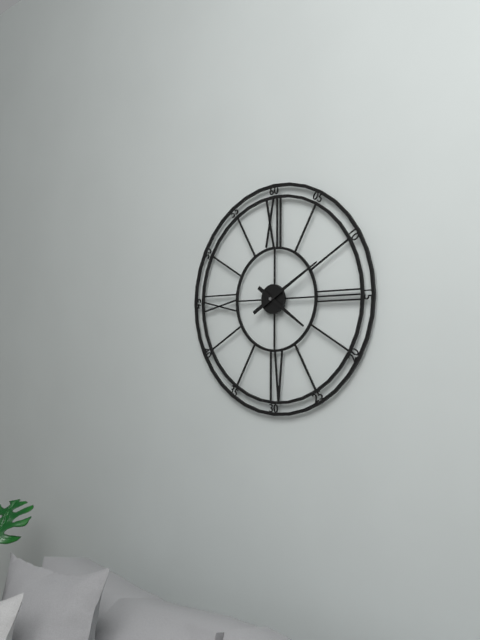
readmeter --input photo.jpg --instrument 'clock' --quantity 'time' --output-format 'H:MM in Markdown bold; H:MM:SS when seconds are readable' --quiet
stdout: **4:10**
